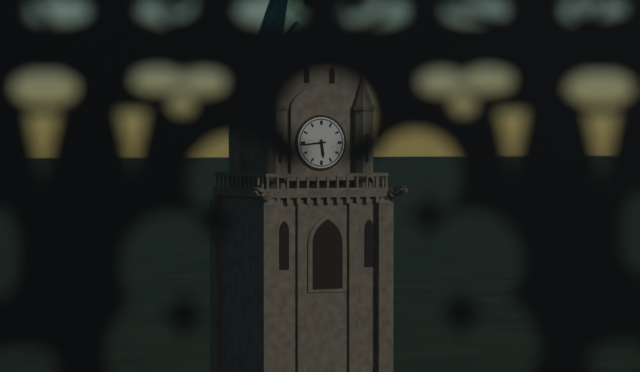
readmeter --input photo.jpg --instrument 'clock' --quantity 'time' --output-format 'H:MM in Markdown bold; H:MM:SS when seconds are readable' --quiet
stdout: **5:44**
